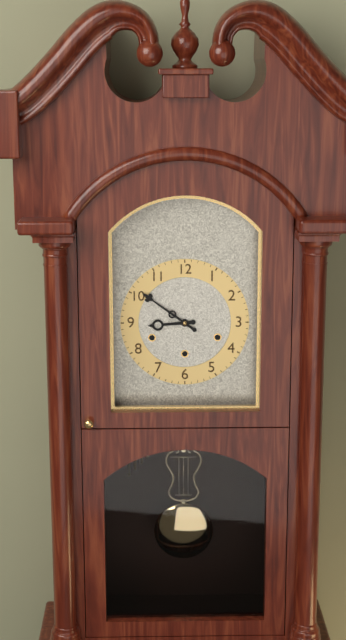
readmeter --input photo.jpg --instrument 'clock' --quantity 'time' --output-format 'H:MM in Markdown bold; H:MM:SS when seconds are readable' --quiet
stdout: **8:51**
